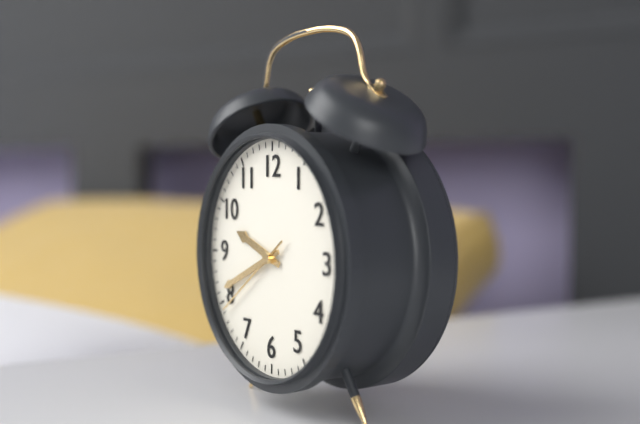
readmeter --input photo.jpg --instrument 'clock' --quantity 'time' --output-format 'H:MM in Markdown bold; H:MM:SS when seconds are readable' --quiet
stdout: **9:41:39**
